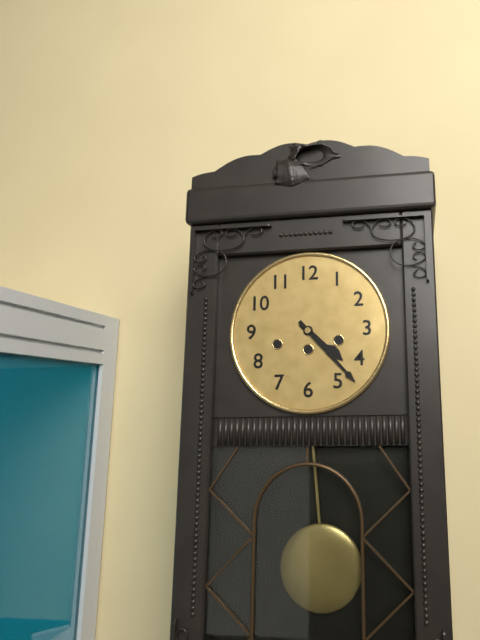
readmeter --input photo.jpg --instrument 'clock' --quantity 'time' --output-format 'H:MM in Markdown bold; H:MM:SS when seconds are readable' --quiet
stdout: **4:23**
